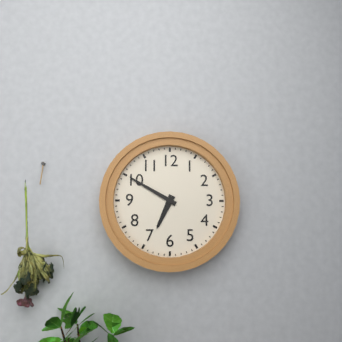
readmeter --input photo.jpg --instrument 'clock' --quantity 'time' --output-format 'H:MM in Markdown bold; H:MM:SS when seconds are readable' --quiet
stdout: **6:50**
